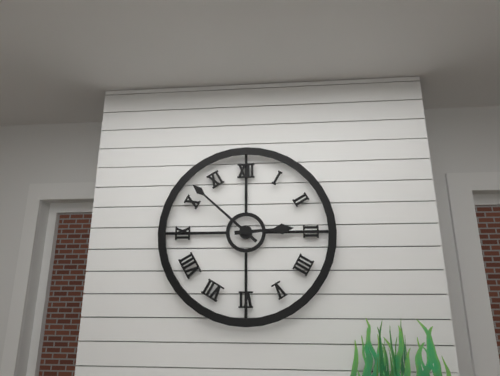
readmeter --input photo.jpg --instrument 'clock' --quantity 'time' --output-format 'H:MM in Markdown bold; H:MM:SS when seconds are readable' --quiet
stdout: **2:52**
